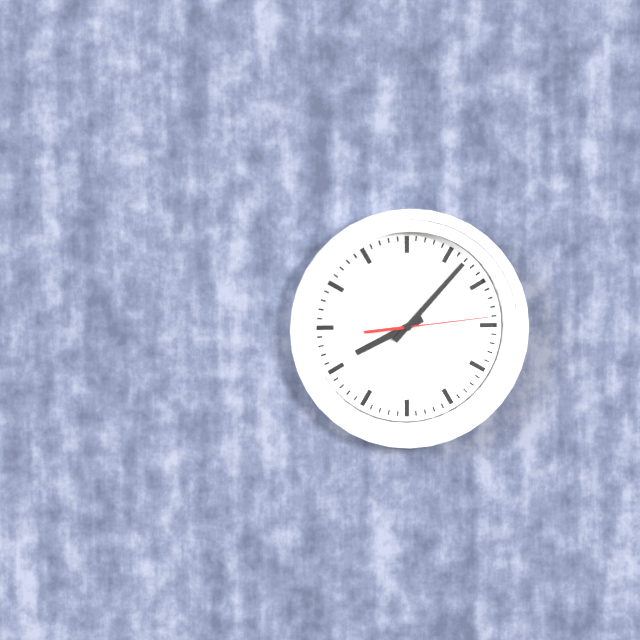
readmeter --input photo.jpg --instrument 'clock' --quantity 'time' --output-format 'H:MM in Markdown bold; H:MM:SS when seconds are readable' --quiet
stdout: **8:07:14**
